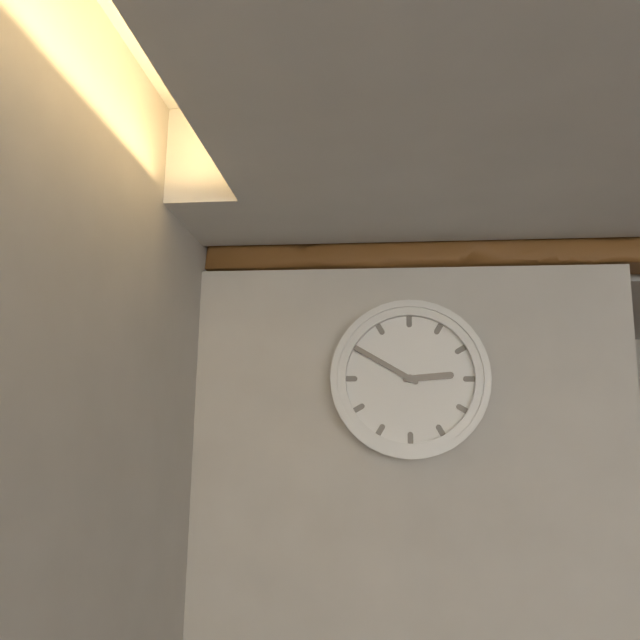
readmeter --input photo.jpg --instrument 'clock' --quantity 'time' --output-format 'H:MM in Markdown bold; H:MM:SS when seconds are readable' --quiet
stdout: **2:50**
